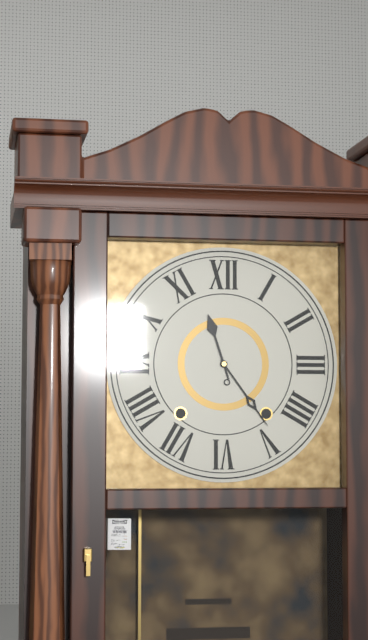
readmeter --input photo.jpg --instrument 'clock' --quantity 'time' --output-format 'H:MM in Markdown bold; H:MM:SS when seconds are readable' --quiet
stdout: **11:24**
